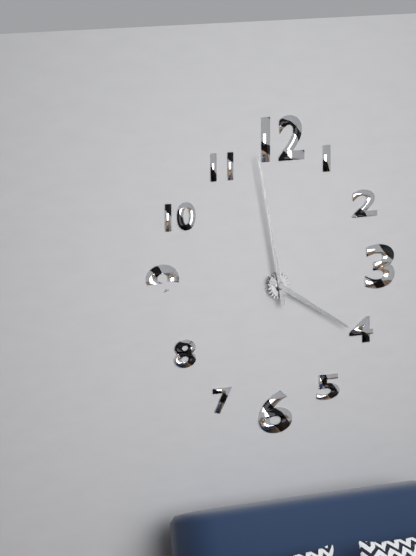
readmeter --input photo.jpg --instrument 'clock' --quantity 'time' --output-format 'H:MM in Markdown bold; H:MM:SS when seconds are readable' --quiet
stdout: **3:58**
